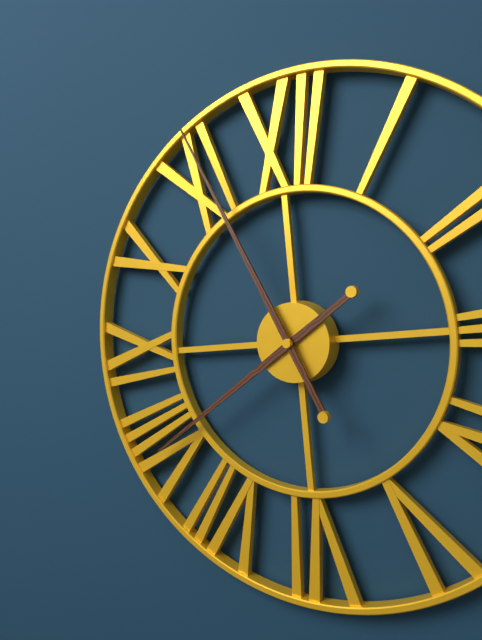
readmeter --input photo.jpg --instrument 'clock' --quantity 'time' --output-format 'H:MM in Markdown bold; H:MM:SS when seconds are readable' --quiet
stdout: **7:56**
